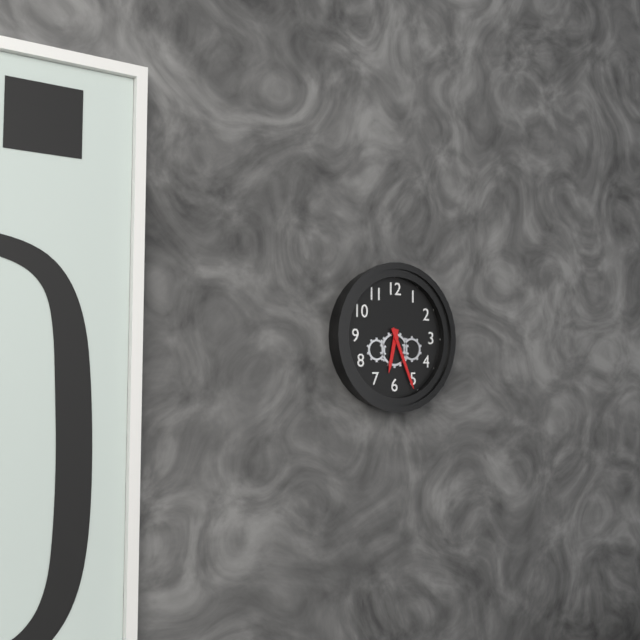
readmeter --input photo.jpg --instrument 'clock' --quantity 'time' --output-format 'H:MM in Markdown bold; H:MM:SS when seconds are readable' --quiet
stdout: **6:26**
